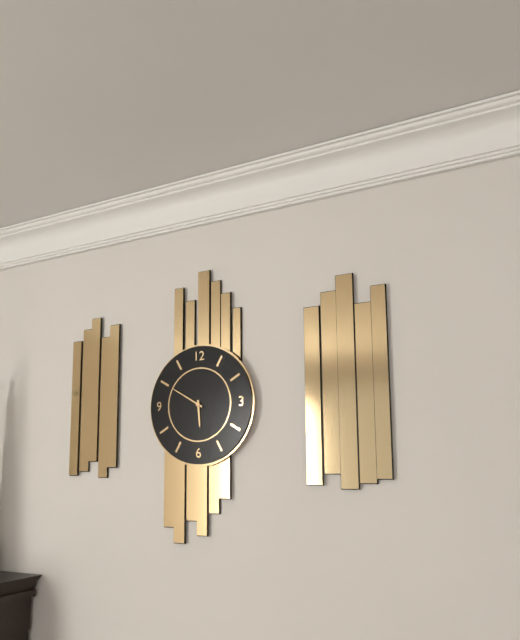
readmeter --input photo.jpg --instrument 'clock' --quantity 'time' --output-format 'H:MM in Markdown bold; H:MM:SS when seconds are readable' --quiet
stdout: **5:50**
